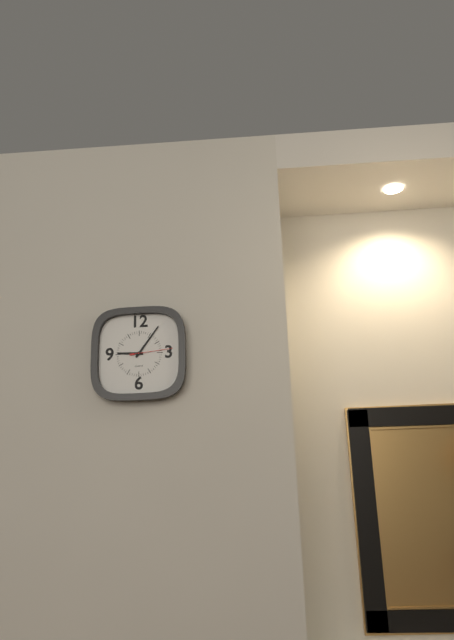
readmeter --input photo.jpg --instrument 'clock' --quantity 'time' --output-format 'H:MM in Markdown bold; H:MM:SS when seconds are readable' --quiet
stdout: **9:06**
